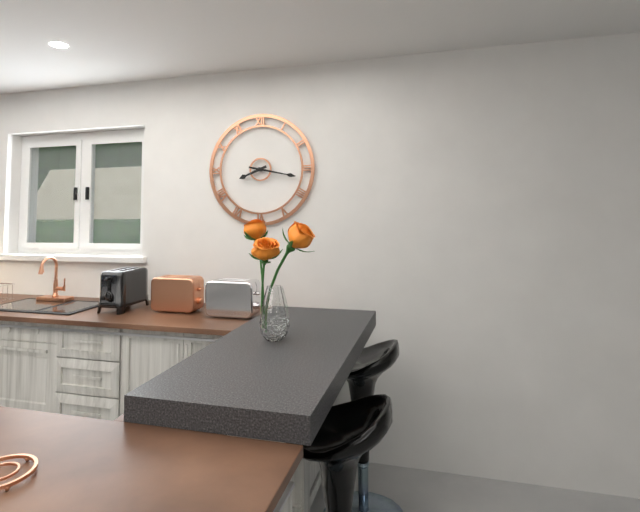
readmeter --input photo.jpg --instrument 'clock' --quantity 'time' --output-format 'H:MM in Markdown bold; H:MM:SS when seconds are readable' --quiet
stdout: **8:17**
